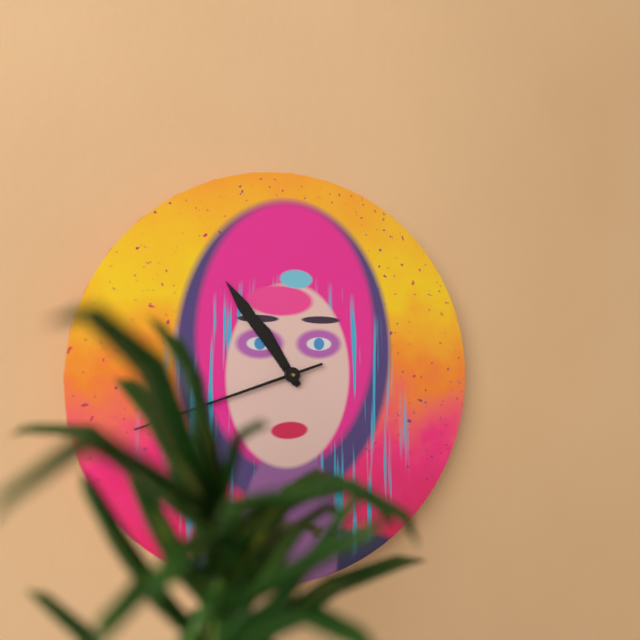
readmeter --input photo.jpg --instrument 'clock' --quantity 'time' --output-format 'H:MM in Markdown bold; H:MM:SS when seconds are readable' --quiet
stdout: **10:54:42**
